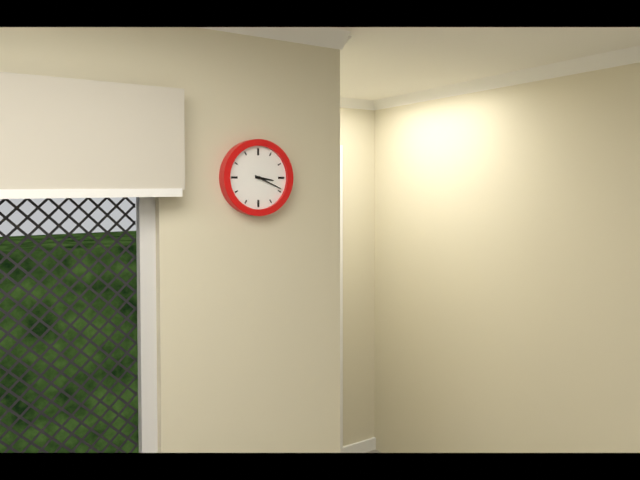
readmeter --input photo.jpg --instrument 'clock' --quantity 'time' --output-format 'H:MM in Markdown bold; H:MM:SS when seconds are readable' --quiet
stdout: **3:19**
